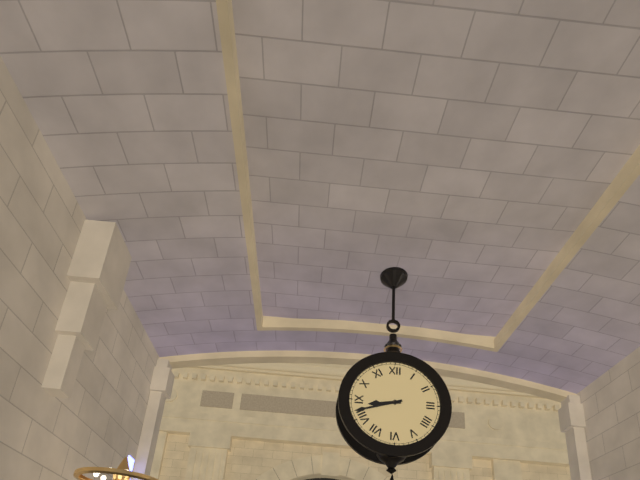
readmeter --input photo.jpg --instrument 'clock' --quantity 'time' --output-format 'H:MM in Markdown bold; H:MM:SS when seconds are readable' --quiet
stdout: **8:42**
